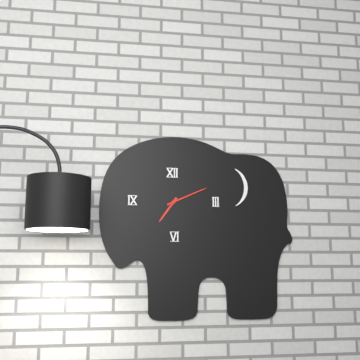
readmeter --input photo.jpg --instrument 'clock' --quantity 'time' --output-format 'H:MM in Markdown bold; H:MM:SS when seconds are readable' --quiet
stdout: **7:11**
